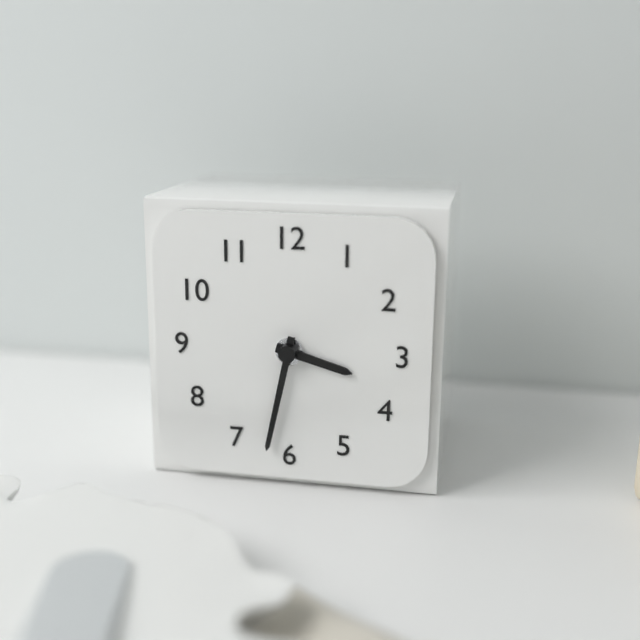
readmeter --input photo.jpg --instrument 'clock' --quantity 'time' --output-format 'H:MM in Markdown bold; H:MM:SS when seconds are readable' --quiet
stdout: **3:32**
